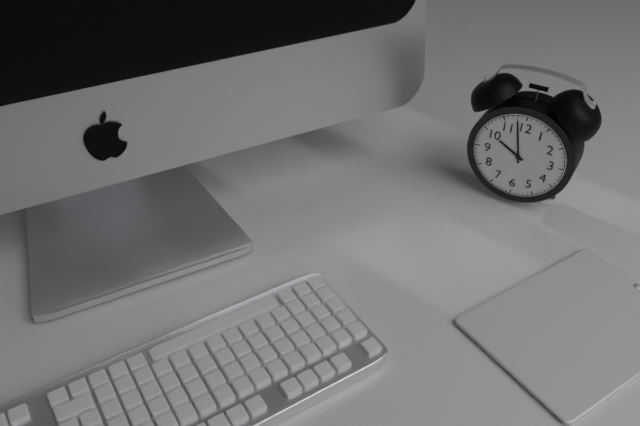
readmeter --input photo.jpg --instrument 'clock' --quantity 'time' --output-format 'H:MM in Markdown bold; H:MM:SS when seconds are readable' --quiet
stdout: **9:58**
